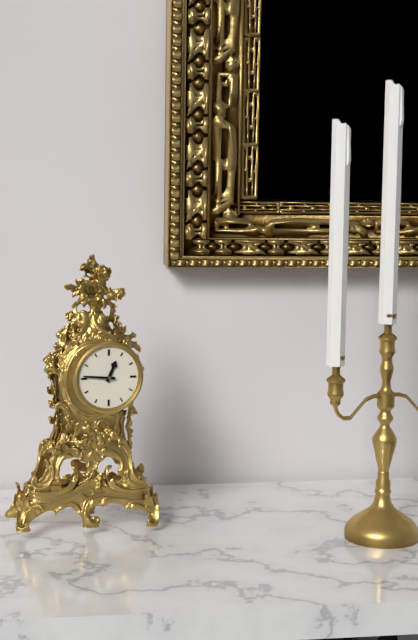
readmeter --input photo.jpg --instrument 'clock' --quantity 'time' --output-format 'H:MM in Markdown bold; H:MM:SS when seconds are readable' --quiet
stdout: **12:46**
